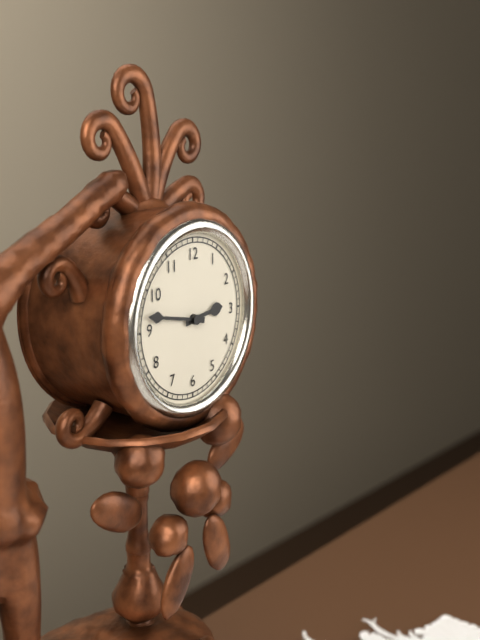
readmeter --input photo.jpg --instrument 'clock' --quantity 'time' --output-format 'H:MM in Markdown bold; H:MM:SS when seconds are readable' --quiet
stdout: **2:47**
